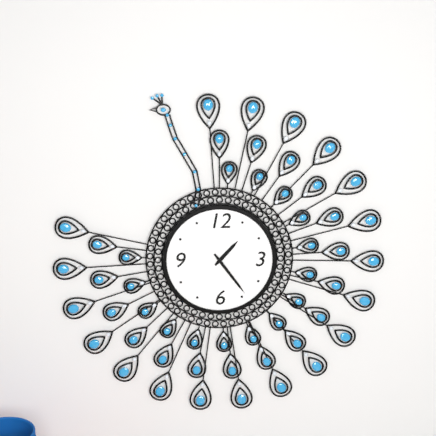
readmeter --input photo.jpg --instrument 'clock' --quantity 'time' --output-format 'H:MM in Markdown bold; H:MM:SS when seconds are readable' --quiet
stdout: **1:24**
